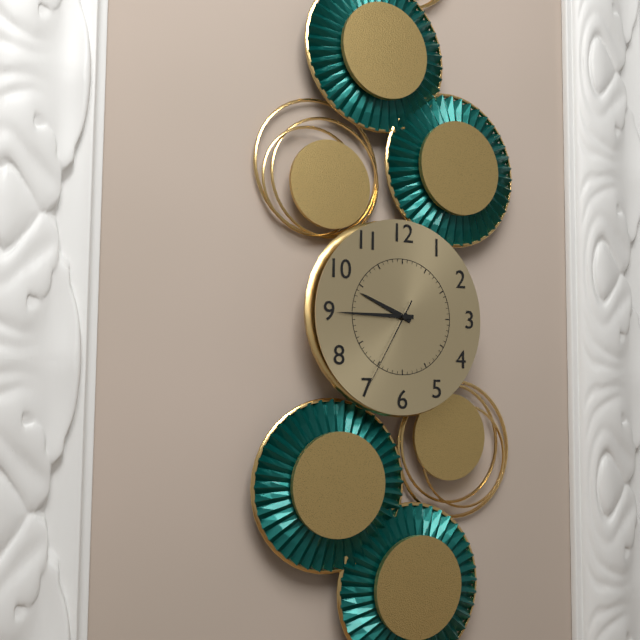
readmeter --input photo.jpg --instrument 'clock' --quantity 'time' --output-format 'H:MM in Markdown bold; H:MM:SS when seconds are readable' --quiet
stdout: **9:45:35**
